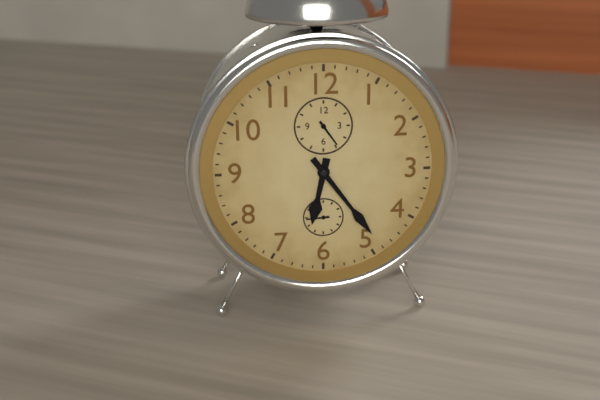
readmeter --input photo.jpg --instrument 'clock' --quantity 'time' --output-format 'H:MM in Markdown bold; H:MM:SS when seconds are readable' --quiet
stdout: **6:24**
